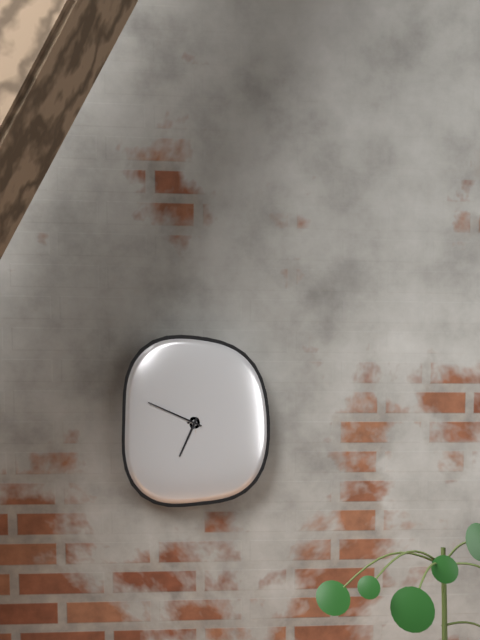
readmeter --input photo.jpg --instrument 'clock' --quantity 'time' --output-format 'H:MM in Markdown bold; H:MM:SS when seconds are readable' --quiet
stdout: **6:49**
